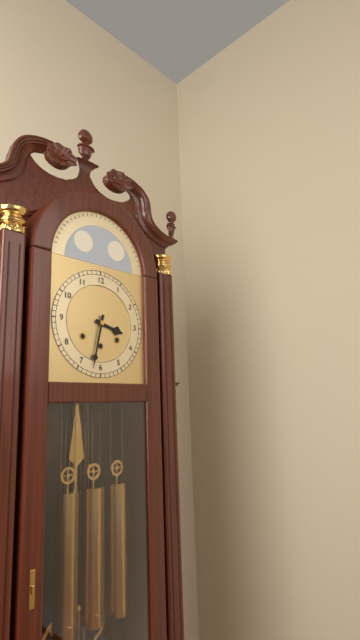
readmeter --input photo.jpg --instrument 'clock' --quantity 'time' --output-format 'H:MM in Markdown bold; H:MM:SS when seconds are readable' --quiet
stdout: **3:32**
